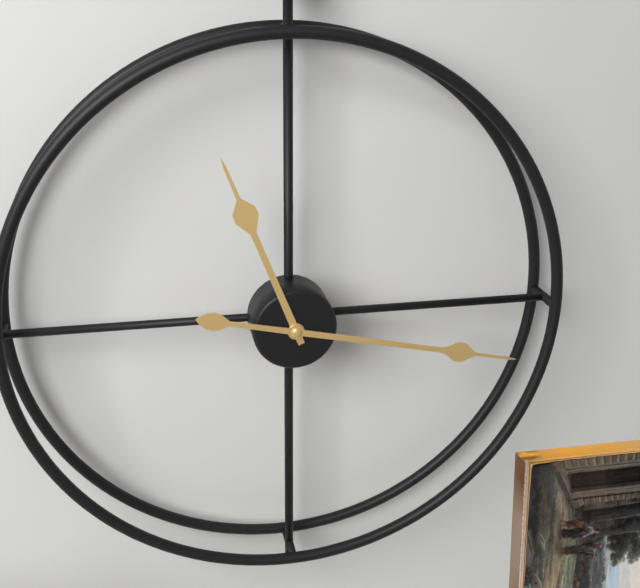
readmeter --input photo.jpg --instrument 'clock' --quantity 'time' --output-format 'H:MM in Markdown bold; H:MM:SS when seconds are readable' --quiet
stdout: **11:17**
